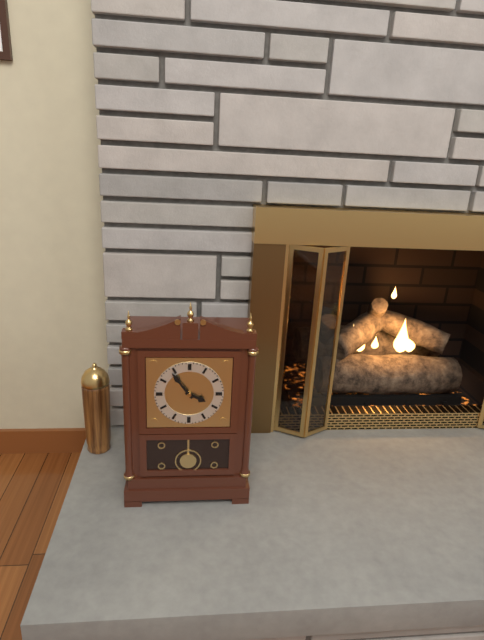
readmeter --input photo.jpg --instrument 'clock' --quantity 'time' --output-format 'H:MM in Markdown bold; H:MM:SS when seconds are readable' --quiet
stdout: **3:54**
